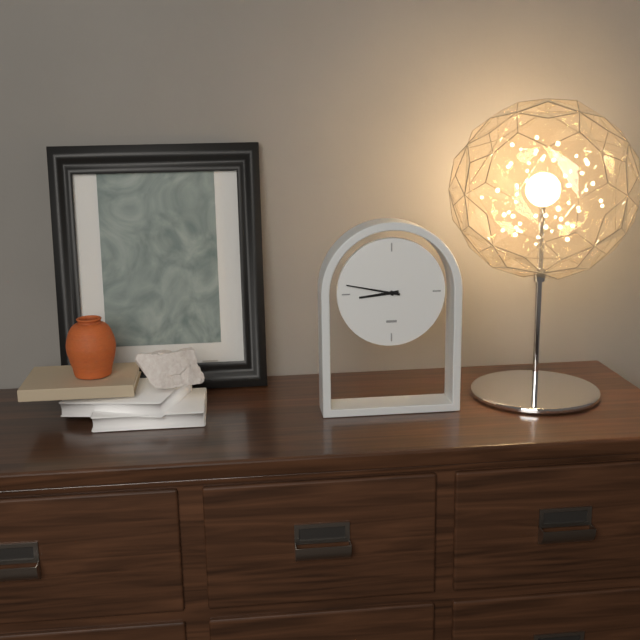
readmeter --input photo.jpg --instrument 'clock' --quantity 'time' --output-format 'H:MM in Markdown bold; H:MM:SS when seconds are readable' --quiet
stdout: **8:47**
